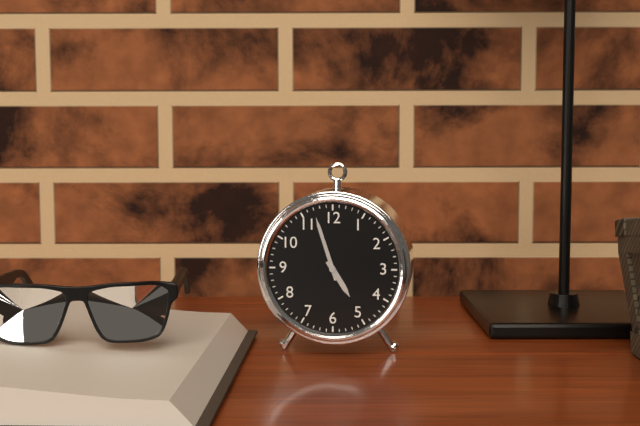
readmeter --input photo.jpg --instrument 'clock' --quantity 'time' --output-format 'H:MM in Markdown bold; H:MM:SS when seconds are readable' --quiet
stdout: **4:57**
